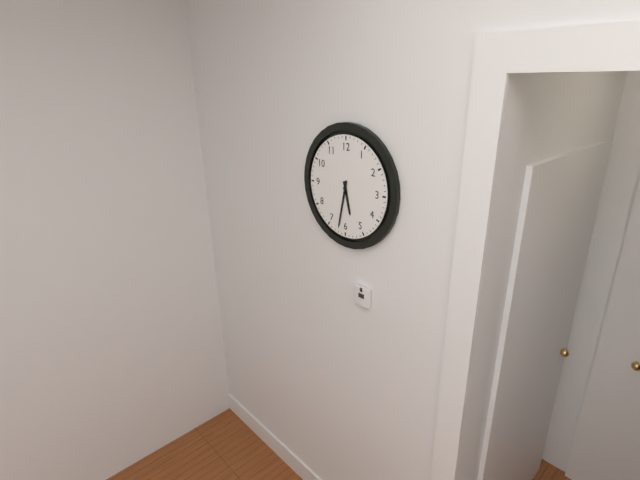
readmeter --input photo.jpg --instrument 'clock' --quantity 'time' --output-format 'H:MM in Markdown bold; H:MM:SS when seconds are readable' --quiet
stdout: **5:32**
